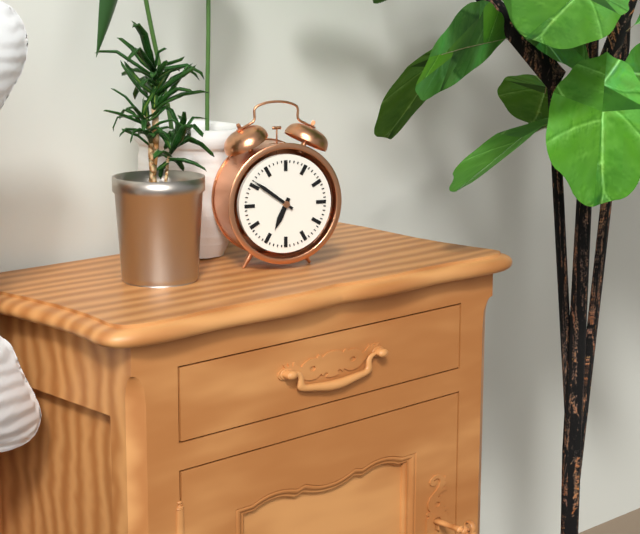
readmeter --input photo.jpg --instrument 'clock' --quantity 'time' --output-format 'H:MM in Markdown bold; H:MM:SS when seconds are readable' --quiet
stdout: **6:51**
